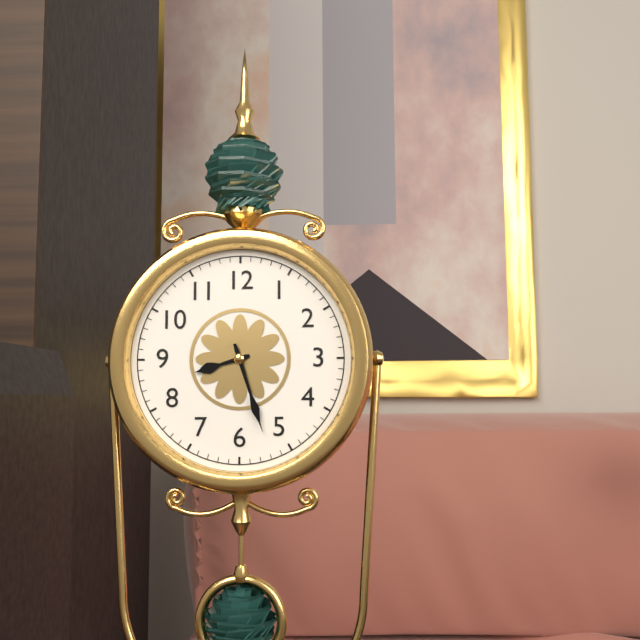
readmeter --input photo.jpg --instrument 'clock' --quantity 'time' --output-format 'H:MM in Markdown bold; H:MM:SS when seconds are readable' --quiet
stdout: **8:27**
